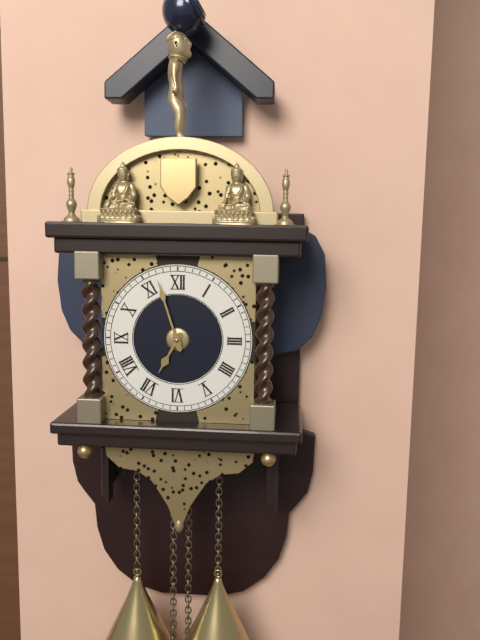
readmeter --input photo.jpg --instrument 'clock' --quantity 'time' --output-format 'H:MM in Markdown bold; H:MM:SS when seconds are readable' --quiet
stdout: **6:57**
